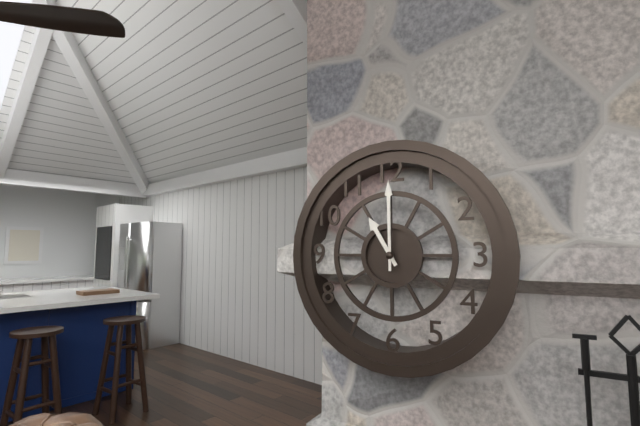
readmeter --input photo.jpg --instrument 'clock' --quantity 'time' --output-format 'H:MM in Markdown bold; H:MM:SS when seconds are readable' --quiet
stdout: **11:00**
